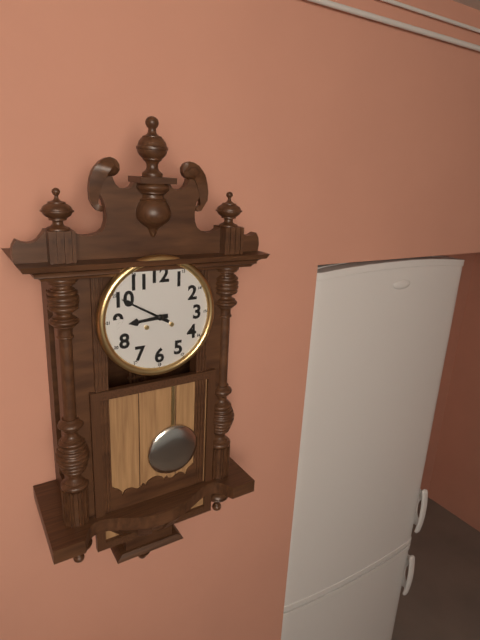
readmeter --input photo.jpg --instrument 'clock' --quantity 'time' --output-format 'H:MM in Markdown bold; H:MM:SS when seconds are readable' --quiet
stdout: **8:50**
